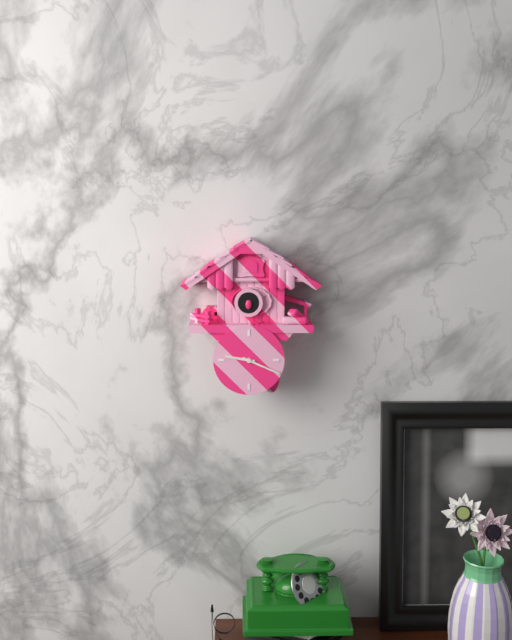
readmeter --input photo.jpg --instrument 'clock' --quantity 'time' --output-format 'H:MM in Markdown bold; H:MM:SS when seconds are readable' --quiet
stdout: **9:19**
